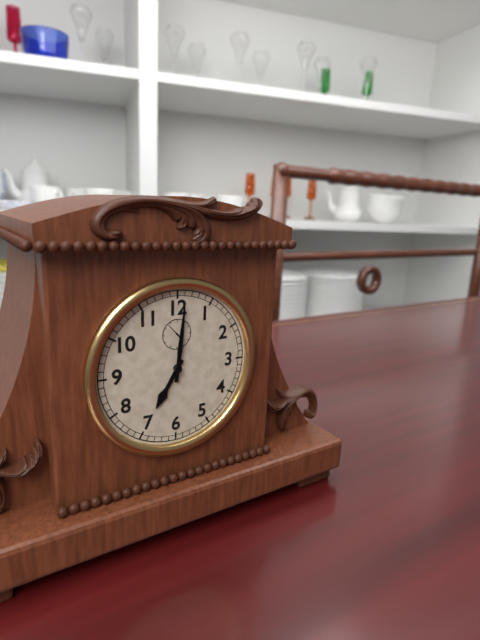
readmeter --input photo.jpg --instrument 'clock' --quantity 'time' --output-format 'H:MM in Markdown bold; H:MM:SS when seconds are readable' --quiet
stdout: **7:01**
